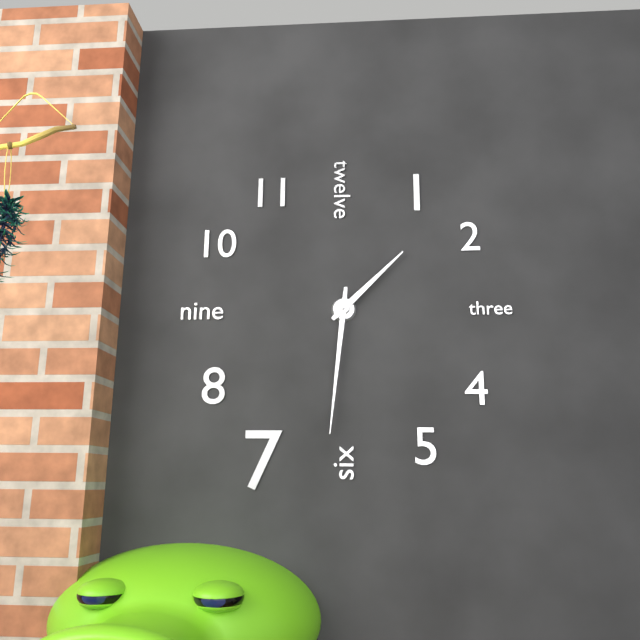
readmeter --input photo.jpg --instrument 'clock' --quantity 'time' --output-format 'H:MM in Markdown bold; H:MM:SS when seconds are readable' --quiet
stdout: **1:31**
